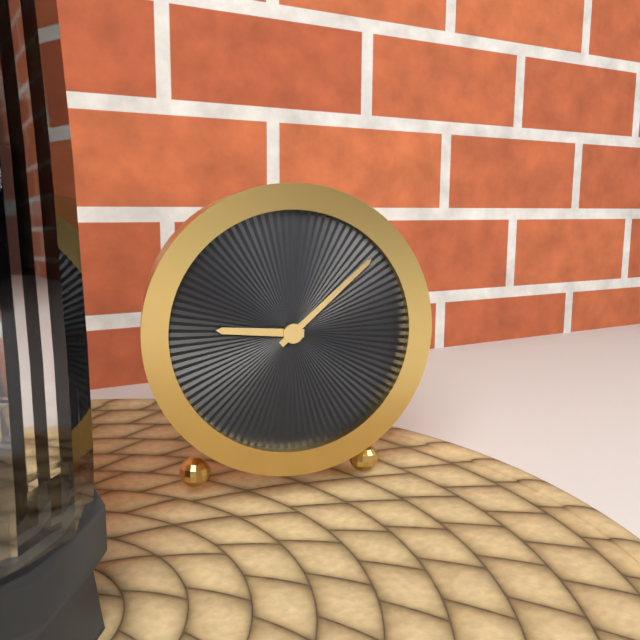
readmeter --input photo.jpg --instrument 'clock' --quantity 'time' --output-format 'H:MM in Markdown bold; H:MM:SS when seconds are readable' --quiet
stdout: **9:08**
